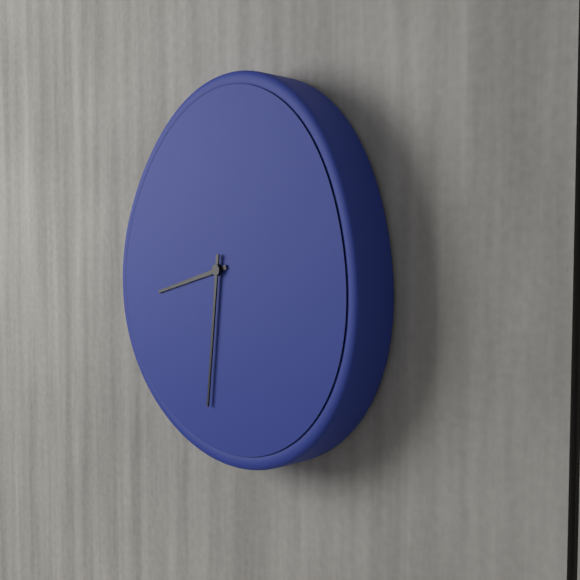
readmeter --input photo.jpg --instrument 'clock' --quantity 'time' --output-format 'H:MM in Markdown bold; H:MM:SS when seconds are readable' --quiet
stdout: **8:31**
